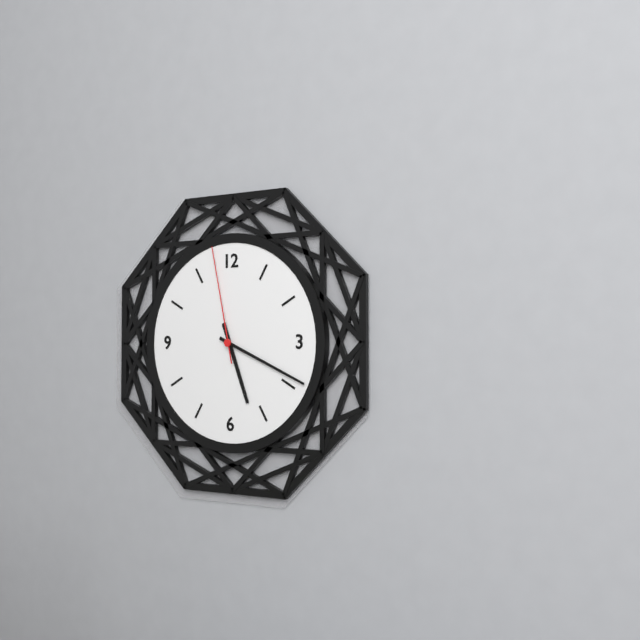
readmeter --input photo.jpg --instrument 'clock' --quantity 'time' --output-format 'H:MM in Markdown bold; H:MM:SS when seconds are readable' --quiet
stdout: **5:19:58**
